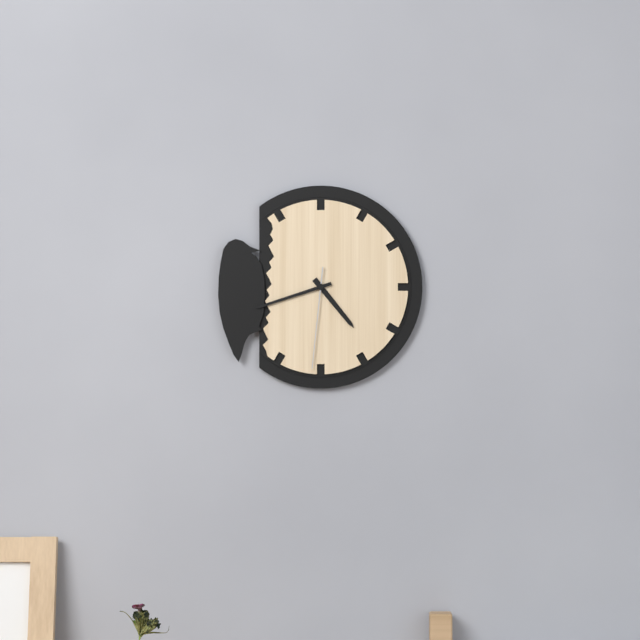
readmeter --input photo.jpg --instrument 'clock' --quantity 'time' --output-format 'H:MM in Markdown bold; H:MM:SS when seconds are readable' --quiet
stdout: **4:42:31**
